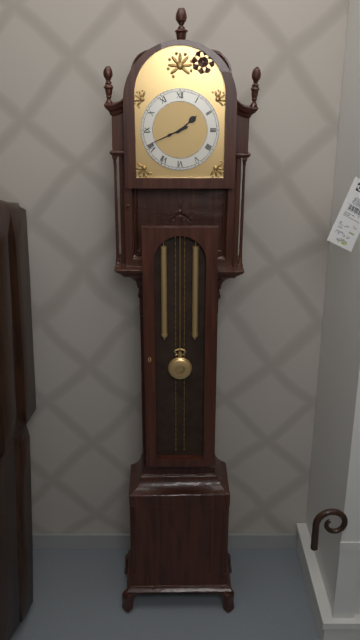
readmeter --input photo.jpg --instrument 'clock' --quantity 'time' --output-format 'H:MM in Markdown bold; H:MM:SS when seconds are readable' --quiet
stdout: **1:41**
